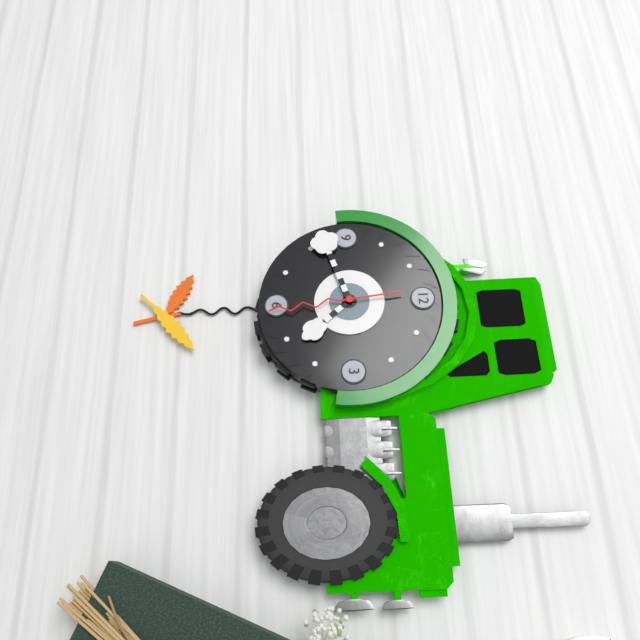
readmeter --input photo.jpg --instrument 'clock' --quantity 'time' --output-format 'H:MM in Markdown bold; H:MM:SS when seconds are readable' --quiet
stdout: **4:42:29**
